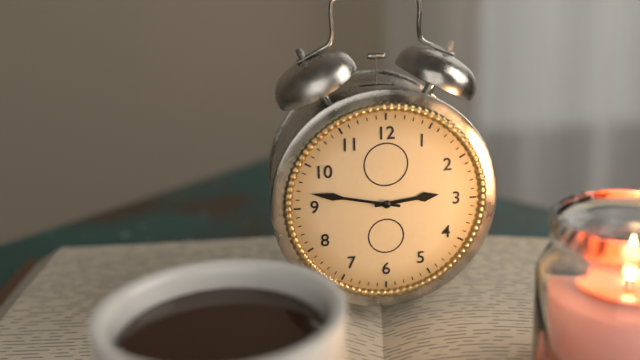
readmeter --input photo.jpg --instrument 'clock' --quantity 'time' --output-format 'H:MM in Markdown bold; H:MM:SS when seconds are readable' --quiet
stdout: **2:47**
